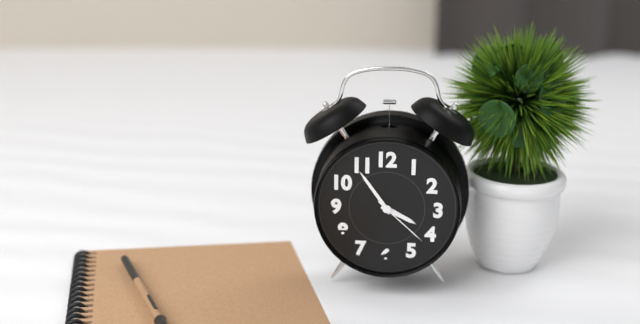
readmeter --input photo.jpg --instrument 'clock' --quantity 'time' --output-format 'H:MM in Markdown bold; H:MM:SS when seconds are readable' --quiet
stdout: **3:54:22**
